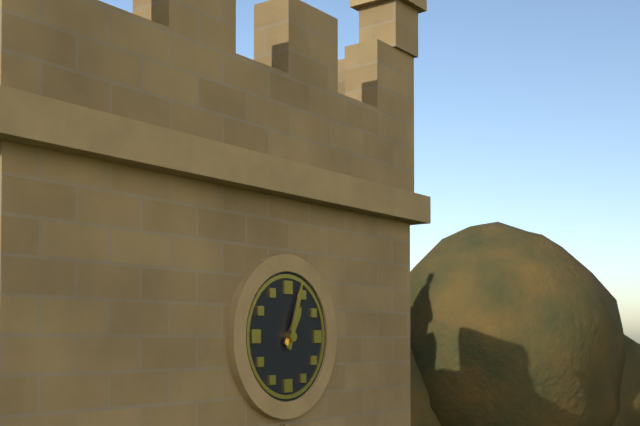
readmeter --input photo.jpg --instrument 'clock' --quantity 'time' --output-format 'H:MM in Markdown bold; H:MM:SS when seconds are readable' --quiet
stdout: **1:03**
